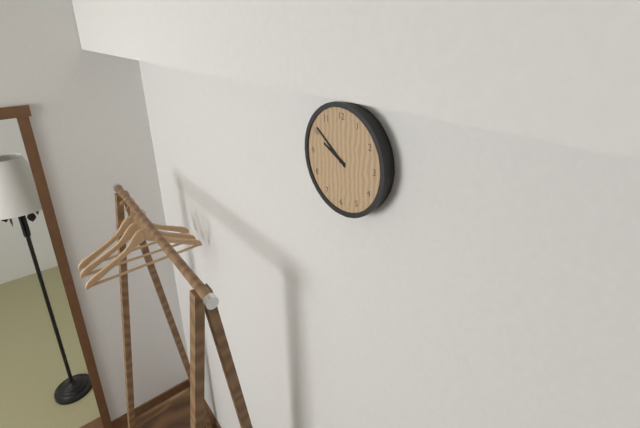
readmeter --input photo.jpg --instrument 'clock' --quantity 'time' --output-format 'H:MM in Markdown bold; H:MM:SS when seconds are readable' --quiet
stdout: **9:51**
